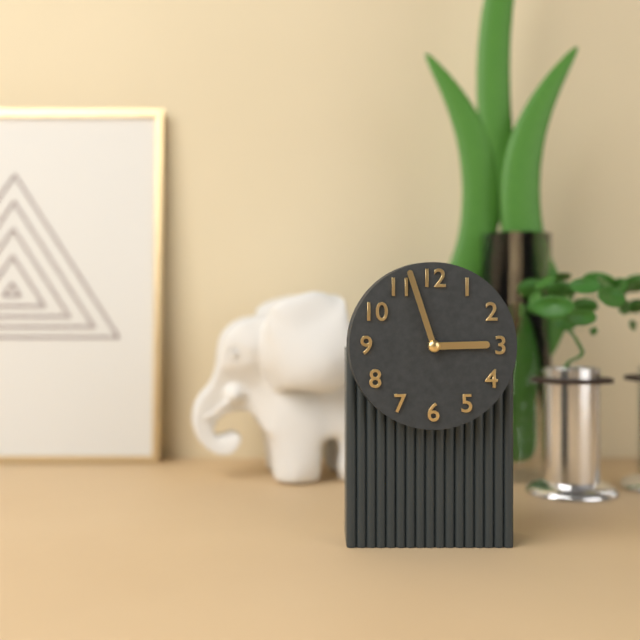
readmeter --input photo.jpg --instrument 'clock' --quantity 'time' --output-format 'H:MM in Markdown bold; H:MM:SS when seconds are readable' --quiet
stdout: **2:57**
